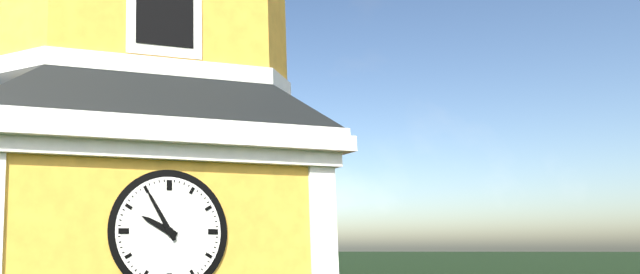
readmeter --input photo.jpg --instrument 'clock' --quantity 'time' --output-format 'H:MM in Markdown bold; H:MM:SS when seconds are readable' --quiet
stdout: **9:55**
